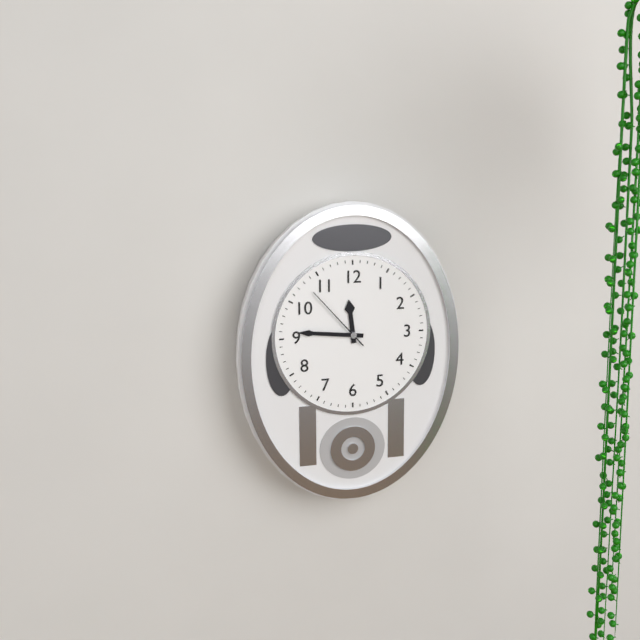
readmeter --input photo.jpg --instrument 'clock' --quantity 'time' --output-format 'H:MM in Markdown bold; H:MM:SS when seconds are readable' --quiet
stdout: **11:46:53**
